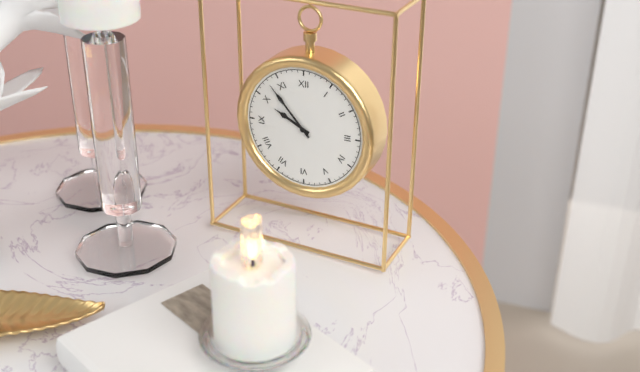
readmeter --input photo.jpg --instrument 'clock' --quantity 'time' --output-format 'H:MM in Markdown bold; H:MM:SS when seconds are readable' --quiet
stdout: **9:53**
